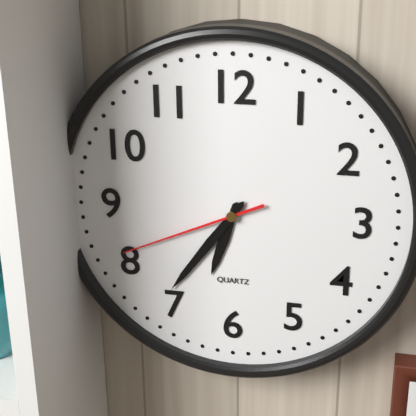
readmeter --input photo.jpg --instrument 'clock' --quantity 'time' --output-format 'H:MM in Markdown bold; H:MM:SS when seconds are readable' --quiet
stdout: **6:36:41**
